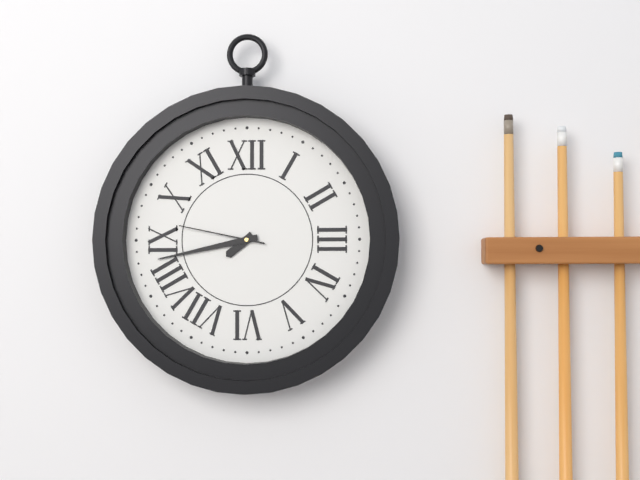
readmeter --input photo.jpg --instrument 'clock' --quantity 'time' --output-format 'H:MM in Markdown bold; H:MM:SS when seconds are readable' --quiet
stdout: **7:43:47**
